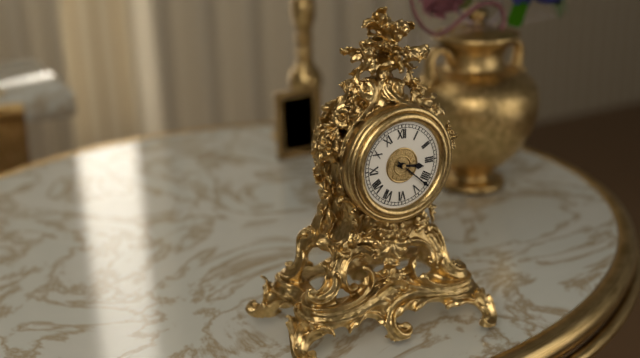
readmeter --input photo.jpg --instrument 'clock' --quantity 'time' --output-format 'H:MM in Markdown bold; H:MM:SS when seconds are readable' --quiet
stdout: **3:22**
